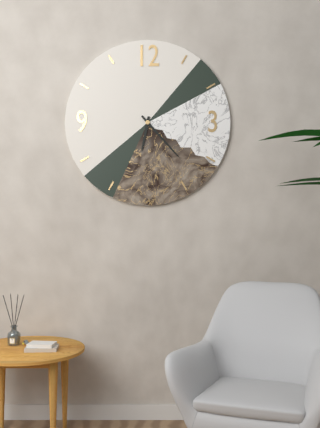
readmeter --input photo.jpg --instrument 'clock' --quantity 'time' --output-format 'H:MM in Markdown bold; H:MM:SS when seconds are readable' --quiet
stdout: **6:23**
